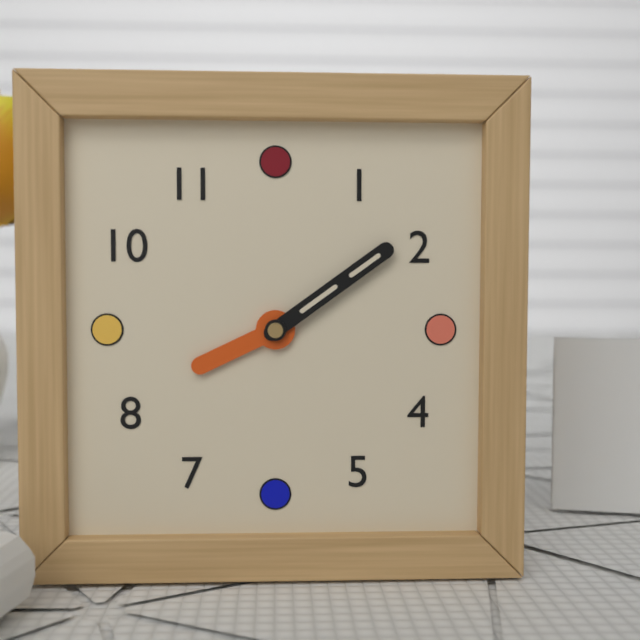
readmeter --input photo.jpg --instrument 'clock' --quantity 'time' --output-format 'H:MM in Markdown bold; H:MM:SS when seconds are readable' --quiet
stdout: **8:09**
